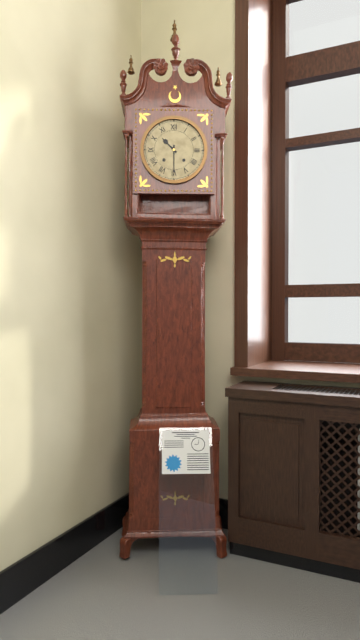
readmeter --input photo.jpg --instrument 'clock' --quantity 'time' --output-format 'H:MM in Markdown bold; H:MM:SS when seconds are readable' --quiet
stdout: **10:30**
